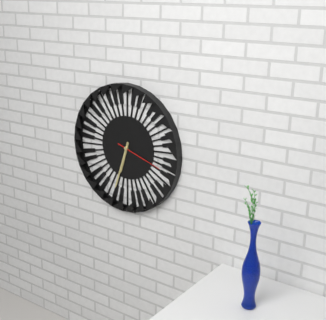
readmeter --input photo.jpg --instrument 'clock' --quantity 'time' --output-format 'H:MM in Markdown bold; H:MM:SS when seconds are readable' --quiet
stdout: **6:33**
